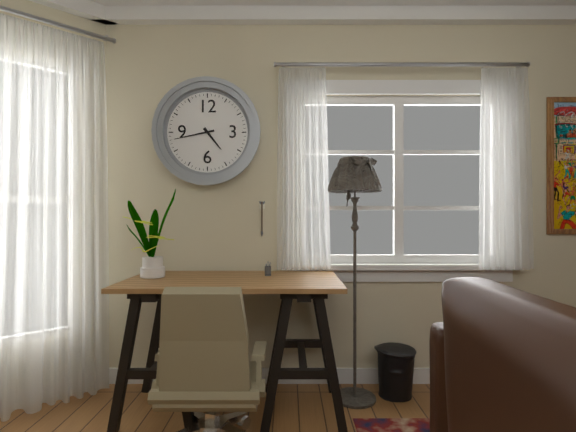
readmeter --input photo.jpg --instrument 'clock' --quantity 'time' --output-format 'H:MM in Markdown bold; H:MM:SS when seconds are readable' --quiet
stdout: **4:43**
